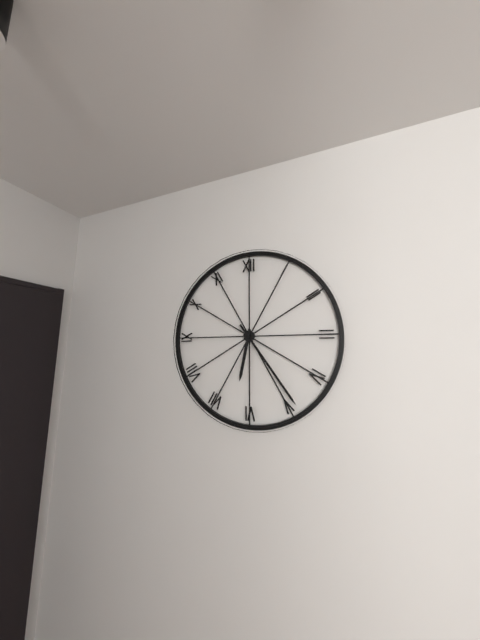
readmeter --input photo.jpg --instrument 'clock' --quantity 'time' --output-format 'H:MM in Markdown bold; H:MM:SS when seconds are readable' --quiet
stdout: **6:24**
